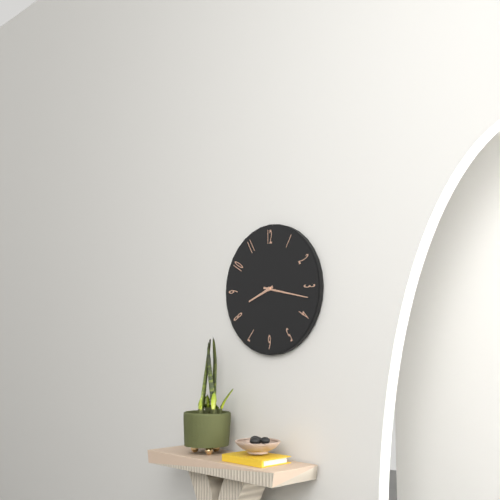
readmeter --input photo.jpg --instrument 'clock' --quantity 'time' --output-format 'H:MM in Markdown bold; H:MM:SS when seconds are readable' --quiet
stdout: **8:17**
